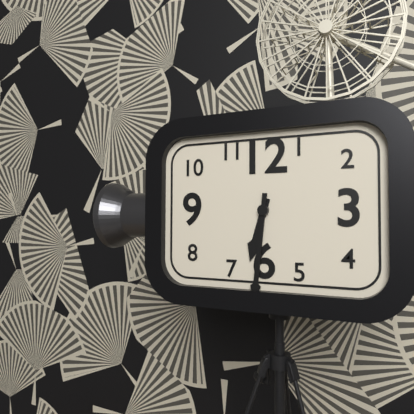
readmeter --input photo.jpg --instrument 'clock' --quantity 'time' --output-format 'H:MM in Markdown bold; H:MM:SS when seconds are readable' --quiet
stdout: **6:31**
